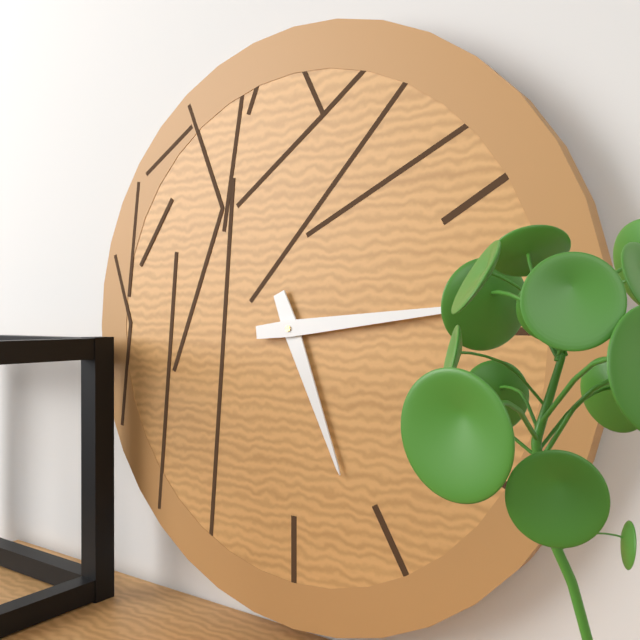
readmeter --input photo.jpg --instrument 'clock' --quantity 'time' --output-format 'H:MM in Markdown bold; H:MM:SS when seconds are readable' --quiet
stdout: **5:14**
